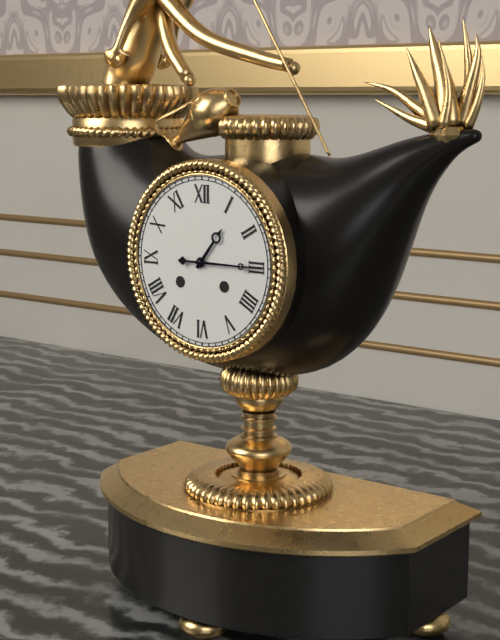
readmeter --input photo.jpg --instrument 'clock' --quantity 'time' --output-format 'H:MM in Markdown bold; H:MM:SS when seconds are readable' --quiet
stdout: **1:15**
